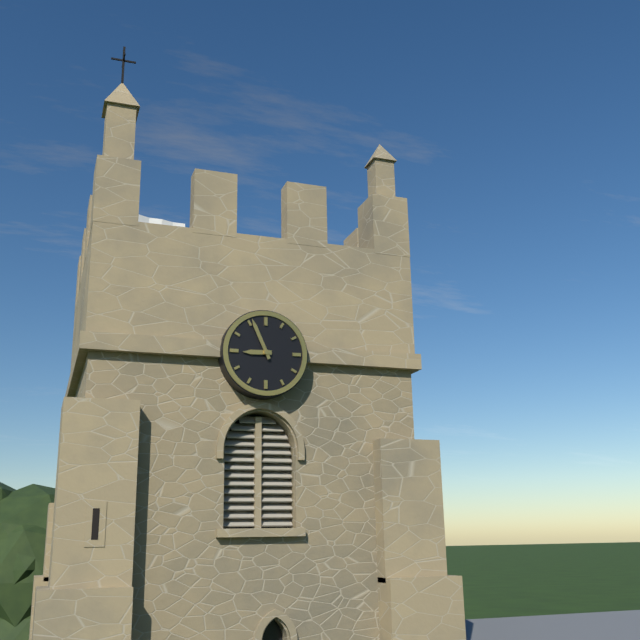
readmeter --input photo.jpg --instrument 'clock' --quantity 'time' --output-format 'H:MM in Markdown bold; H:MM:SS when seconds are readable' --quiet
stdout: **8:56**
